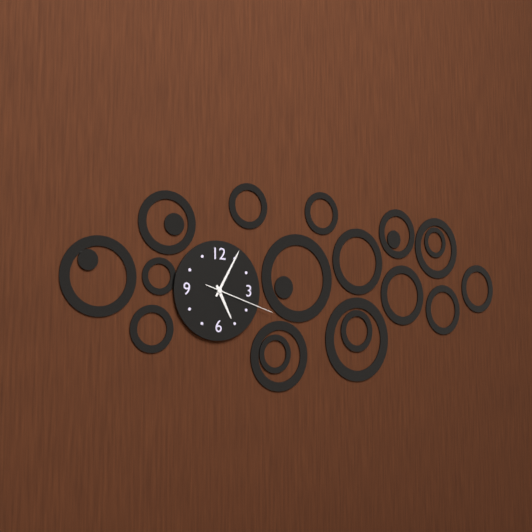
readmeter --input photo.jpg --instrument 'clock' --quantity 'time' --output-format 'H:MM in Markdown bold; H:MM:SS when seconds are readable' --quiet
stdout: **5:05:18**
